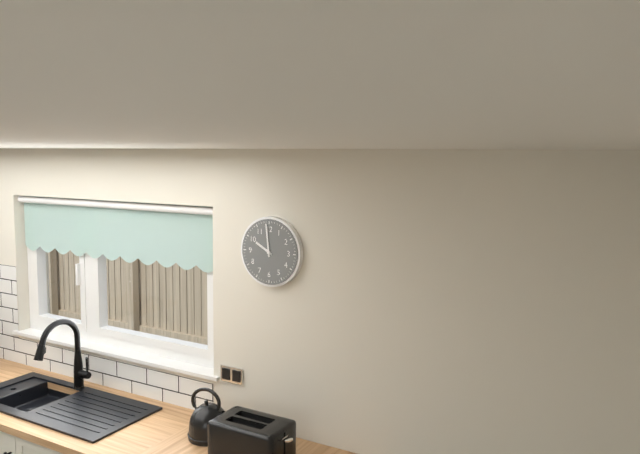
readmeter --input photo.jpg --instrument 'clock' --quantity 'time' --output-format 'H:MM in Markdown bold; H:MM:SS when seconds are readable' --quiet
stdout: **9:59**
